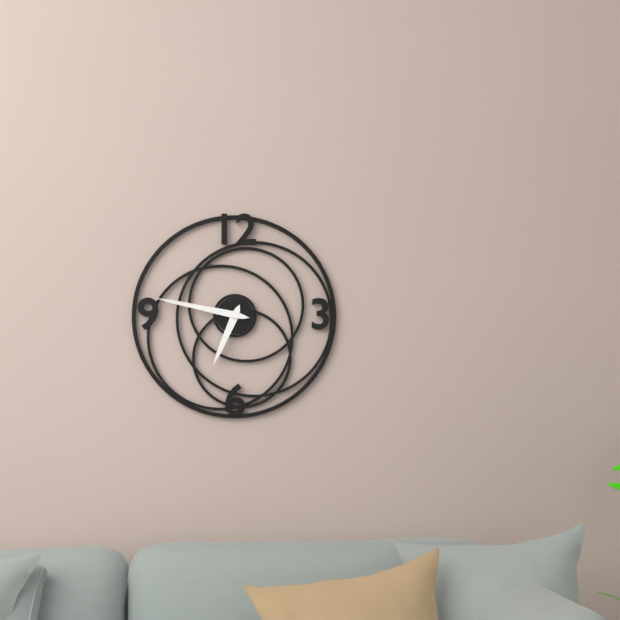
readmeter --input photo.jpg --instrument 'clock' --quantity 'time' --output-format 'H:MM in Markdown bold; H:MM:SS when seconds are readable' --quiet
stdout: **6:47**
